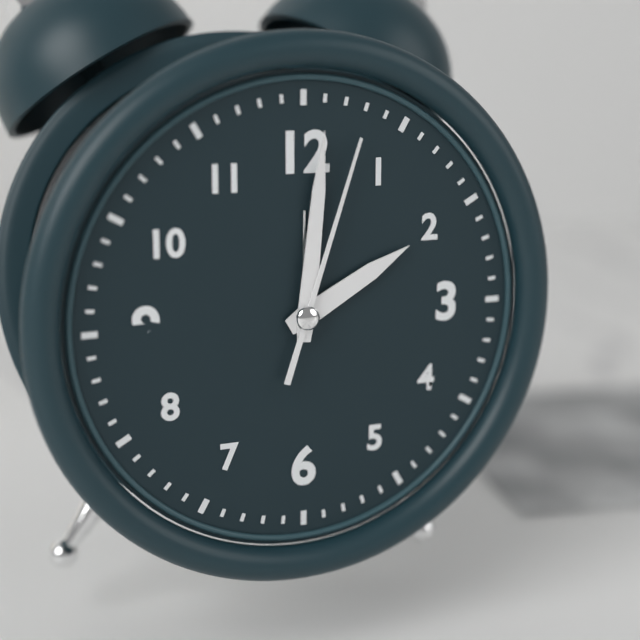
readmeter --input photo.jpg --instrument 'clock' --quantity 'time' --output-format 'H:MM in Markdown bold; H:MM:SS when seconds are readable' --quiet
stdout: **2:01:03**
